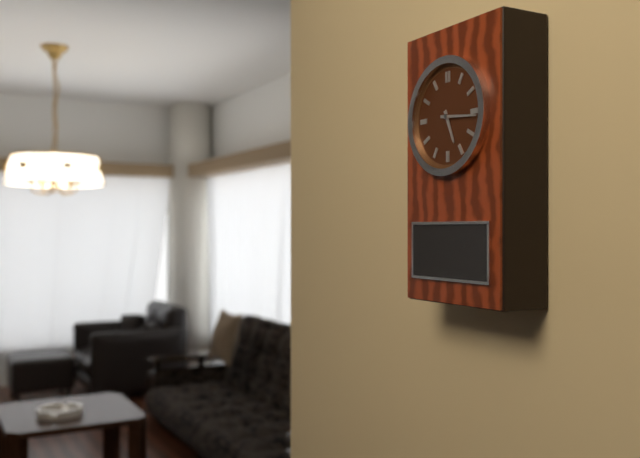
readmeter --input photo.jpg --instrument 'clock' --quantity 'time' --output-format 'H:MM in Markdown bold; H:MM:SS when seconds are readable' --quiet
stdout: **5:16**
